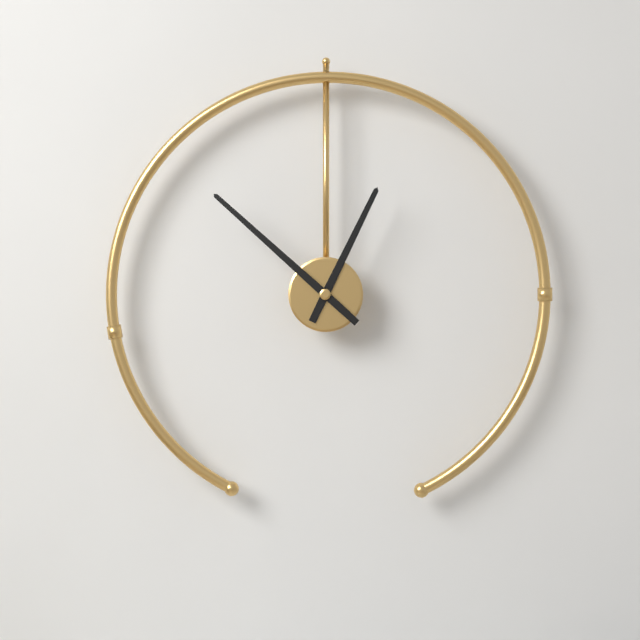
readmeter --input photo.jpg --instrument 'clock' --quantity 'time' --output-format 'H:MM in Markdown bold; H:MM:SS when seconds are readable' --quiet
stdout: **12:52**
